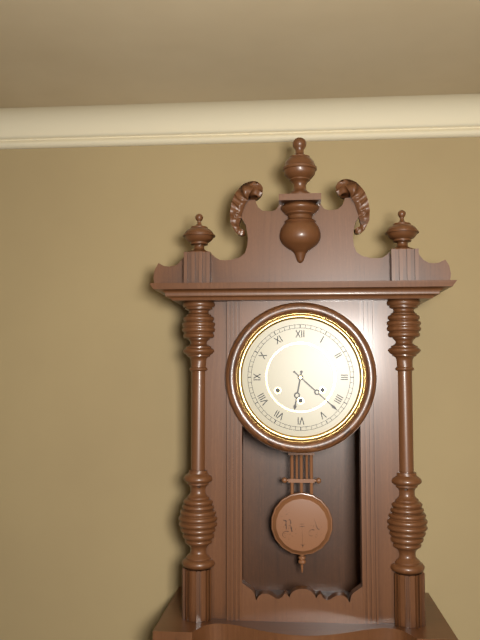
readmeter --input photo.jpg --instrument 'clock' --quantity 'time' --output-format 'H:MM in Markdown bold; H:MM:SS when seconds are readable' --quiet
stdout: **6:22**
